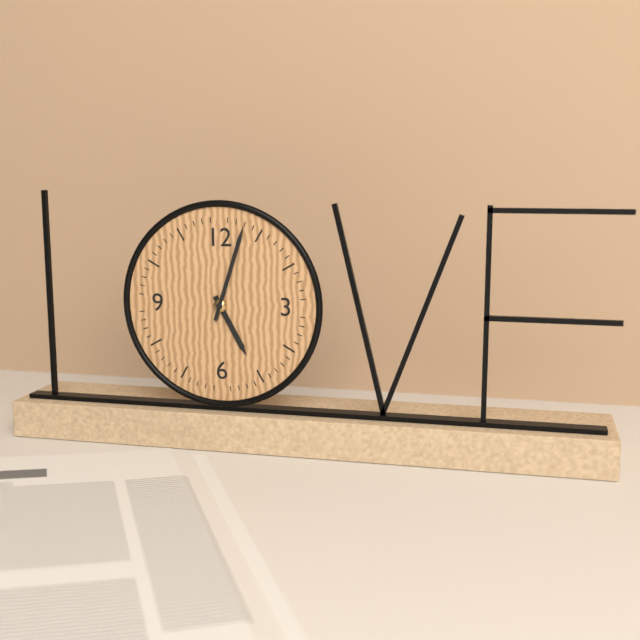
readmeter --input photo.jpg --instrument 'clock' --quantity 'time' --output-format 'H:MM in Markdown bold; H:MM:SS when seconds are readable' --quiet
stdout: **5:03**
